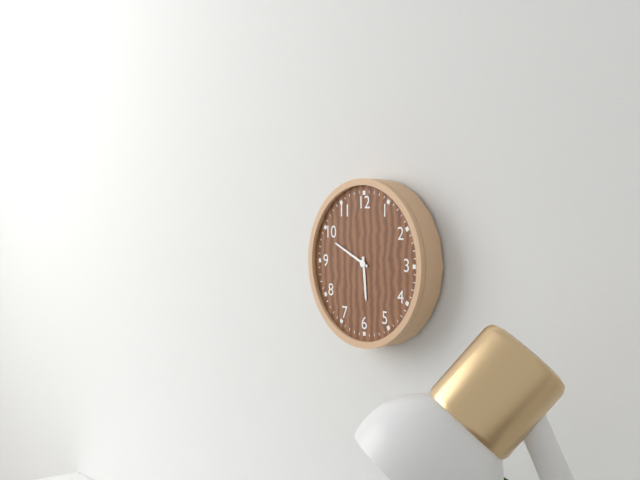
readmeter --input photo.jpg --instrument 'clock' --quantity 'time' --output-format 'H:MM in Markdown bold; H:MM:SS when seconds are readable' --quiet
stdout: **5:49**
